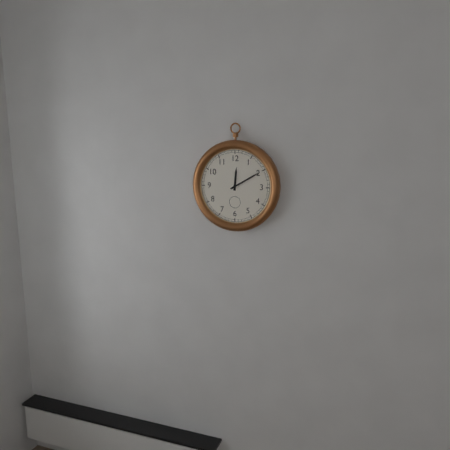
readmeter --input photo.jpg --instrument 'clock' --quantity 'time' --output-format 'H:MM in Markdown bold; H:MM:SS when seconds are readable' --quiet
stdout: **12:10**
